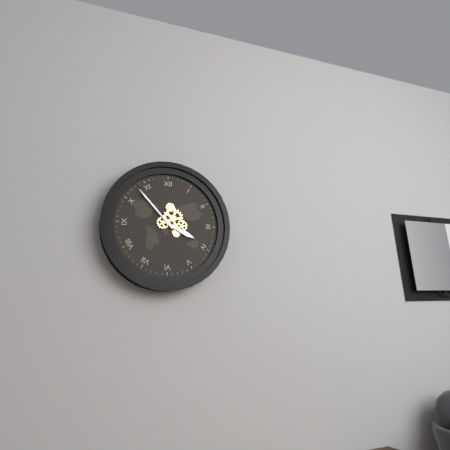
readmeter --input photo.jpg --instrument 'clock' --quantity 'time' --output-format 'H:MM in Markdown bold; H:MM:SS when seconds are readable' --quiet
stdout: **3:53**
